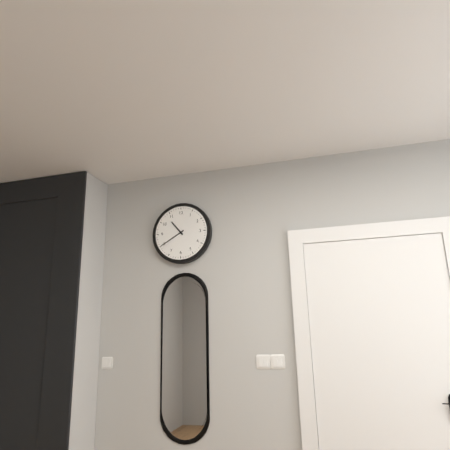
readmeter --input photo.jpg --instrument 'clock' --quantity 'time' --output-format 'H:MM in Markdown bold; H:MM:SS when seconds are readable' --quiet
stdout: **10:40**
